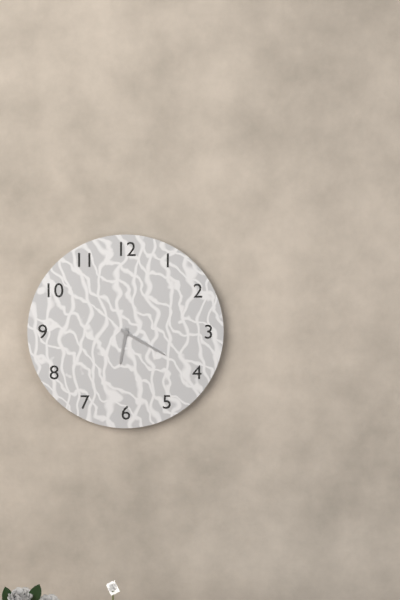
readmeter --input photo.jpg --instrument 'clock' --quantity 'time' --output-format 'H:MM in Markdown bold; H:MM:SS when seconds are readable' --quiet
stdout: **6:20**
